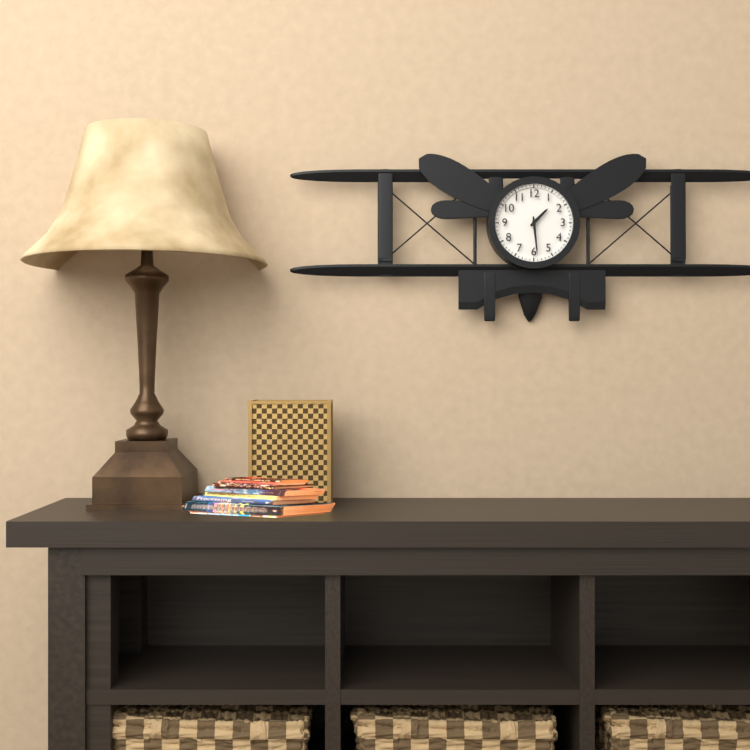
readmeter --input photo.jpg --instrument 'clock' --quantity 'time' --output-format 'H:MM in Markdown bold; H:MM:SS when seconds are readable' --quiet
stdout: **1:29**
